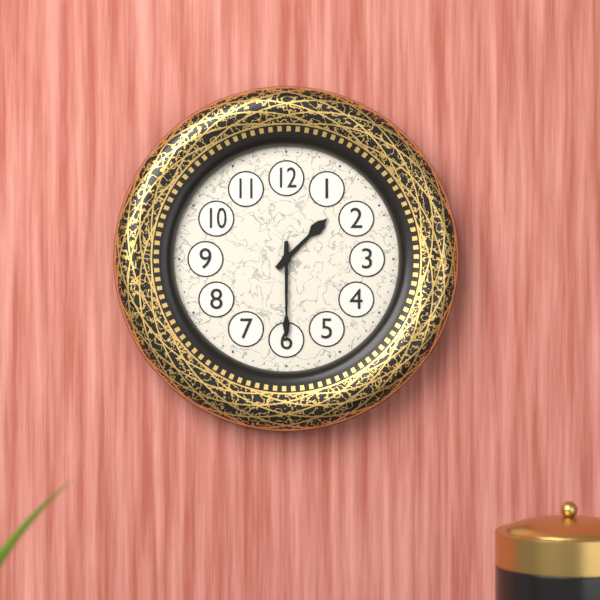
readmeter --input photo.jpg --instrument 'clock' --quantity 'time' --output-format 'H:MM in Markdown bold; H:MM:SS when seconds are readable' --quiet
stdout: **1:30**
